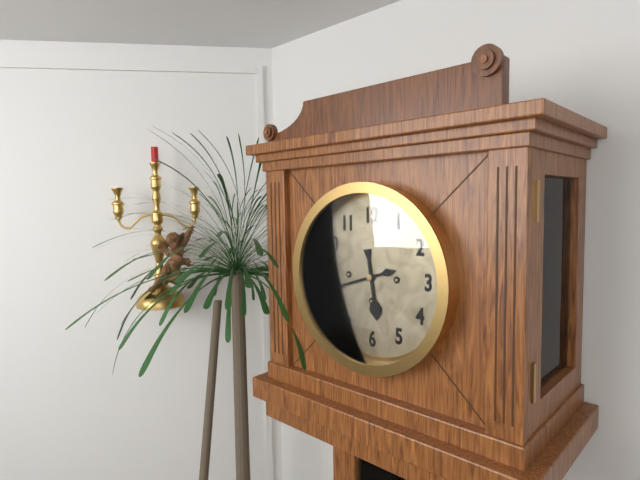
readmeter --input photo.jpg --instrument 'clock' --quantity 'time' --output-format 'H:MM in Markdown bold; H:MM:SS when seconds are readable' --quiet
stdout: **5:42**
